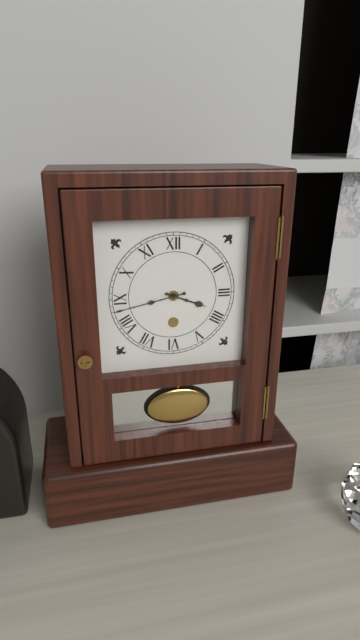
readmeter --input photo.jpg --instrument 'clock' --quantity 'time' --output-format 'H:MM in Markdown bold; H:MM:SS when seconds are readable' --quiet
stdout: **3:43**
